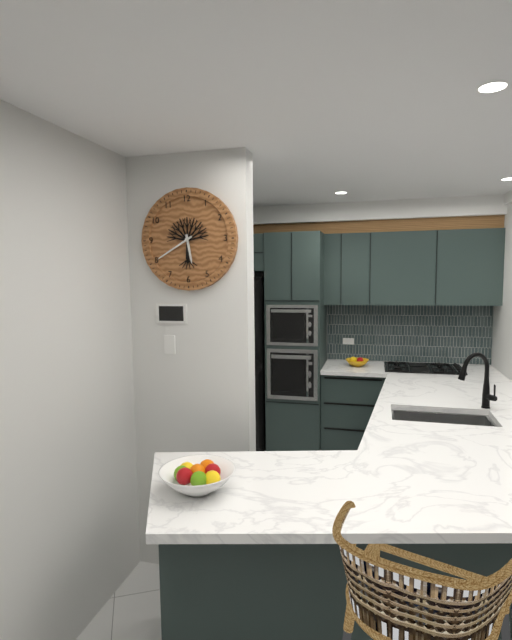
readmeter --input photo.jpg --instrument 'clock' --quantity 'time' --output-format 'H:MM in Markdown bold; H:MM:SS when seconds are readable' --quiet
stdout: **5:40**
